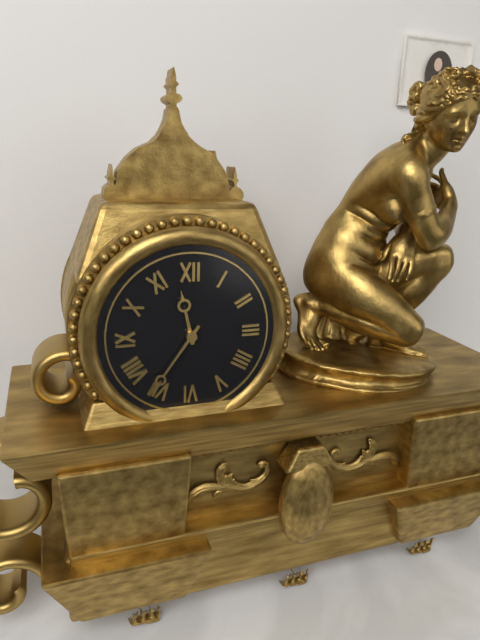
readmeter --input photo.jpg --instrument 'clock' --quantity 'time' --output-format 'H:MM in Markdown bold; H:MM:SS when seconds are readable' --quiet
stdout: **11:36**
